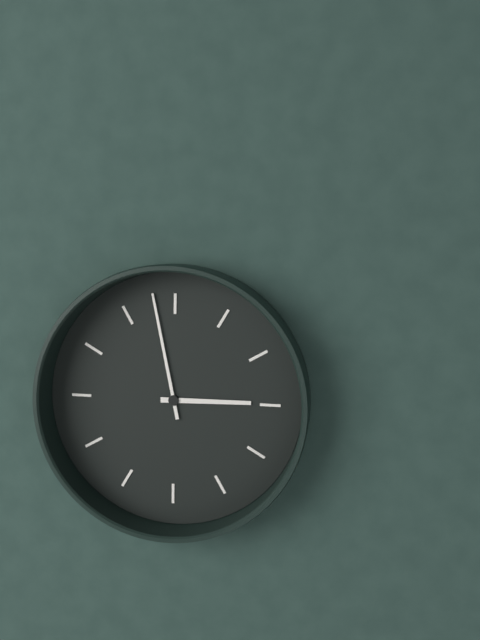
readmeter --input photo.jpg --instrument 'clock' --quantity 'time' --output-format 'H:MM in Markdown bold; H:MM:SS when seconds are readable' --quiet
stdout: **2:58**
